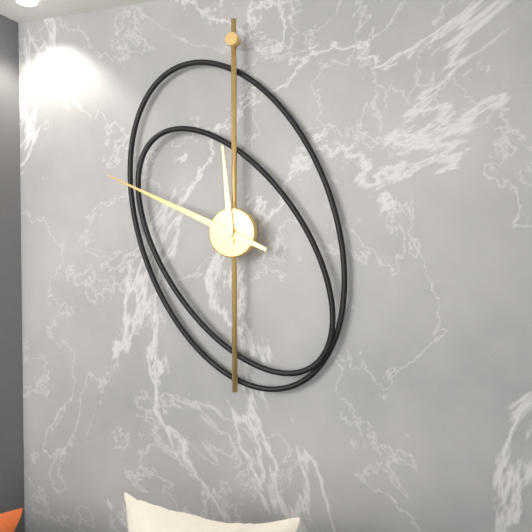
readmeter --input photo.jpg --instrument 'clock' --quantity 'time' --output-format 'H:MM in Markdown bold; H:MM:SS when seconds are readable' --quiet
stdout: **11:49**
